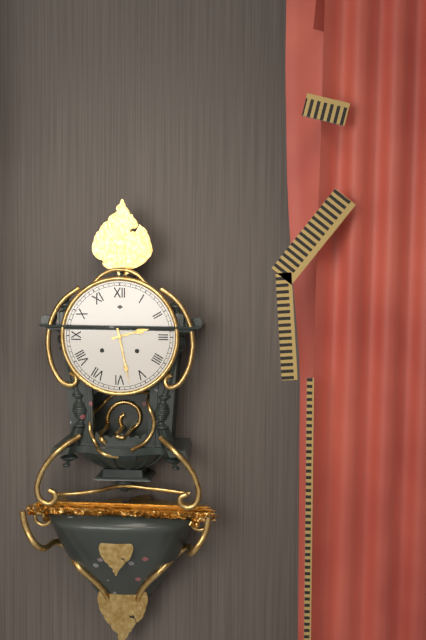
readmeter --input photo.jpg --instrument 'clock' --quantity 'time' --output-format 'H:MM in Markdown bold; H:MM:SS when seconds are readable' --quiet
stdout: **2:28**
